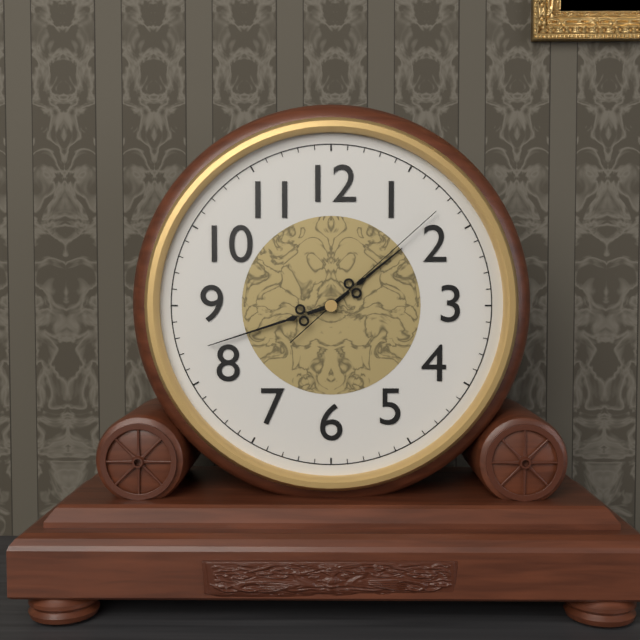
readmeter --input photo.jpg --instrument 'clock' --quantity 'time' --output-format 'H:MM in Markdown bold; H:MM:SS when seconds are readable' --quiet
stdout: **1:42:08**
